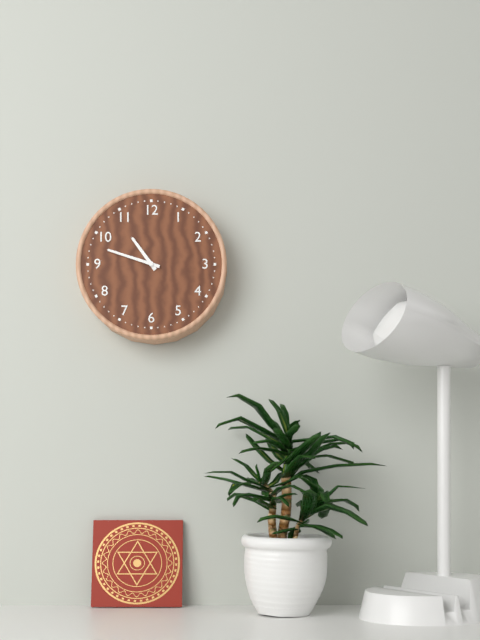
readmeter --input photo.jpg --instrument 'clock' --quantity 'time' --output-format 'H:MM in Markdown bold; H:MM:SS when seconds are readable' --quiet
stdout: **10:48**
